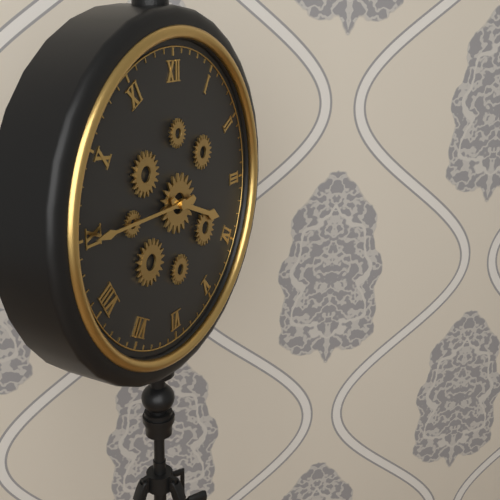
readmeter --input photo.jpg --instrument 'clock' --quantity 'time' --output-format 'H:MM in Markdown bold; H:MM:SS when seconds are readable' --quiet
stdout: **3:45**
